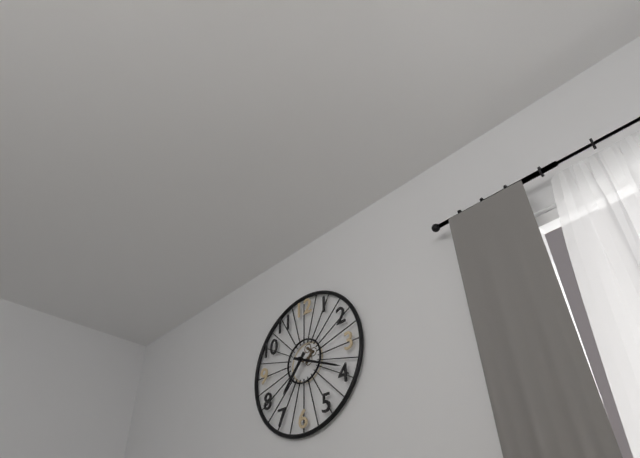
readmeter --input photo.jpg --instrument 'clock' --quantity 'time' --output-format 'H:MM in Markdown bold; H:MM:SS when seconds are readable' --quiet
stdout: **7:19**
